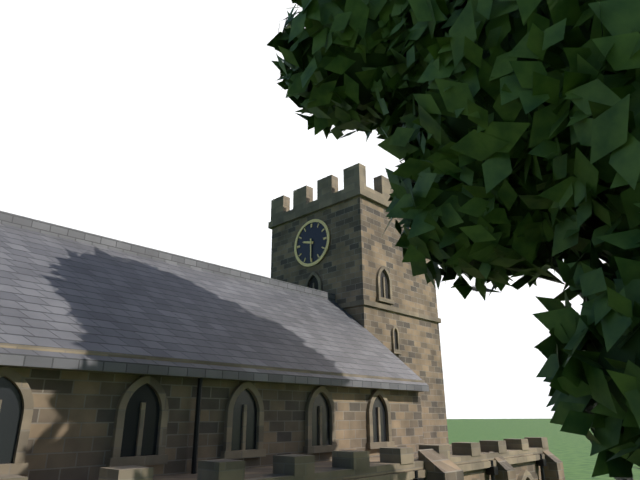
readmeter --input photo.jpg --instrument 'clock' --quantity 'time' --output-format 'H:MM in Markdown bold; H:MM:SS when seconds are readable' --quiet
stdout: **9:30**
